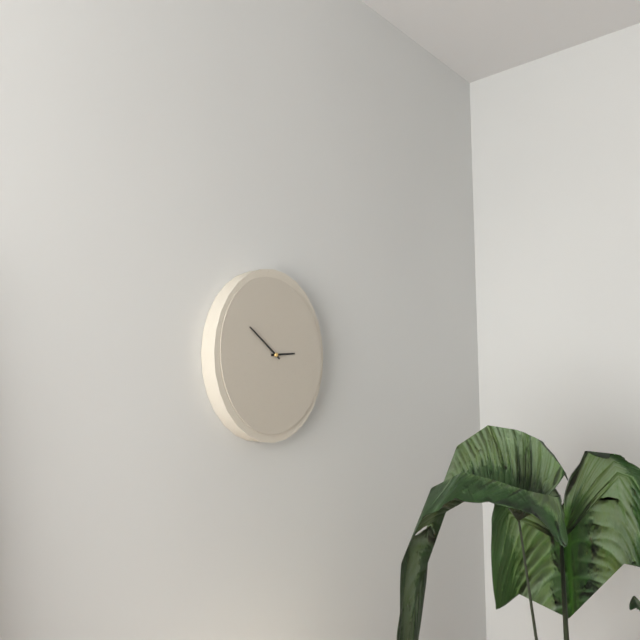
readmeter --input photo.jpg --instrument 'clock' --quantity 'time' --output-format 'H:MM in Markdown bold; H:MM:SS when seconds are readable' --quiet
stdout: **2:51**
